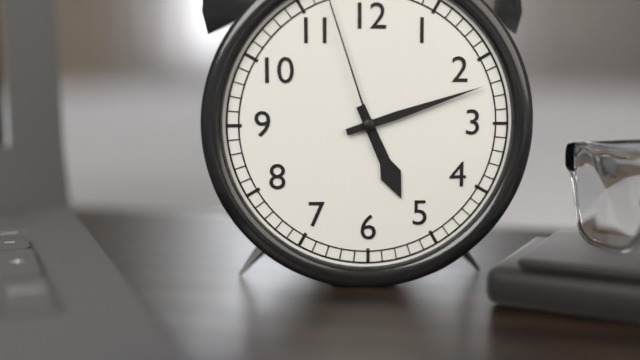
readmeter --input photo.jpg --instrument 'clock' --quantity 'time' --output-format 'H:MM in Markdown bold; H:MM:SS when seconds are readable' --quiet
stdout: **5:12**
